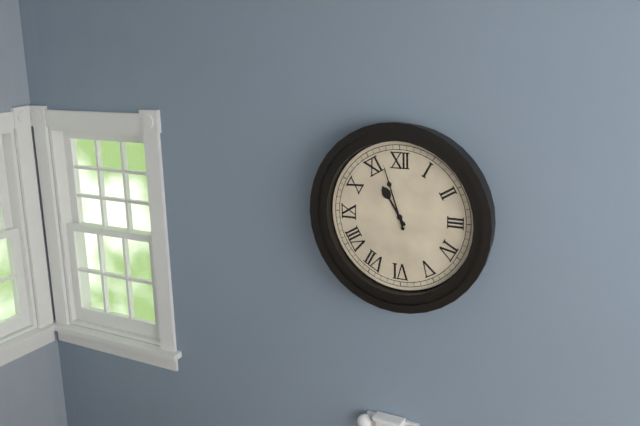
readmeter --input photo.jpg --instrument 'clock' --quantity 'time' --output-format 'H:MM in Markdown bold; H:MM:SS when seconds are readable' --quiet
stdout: **10:57**
